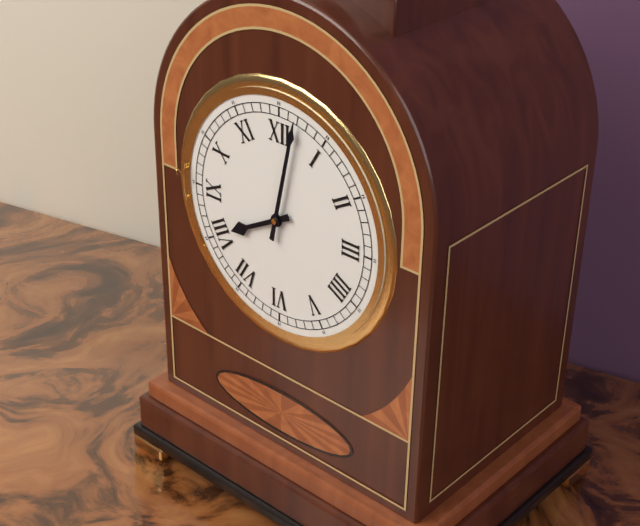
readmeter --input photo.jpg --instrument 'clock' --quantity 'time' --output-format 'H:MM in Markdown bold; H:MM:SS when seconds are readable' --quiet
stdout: **8:02**
